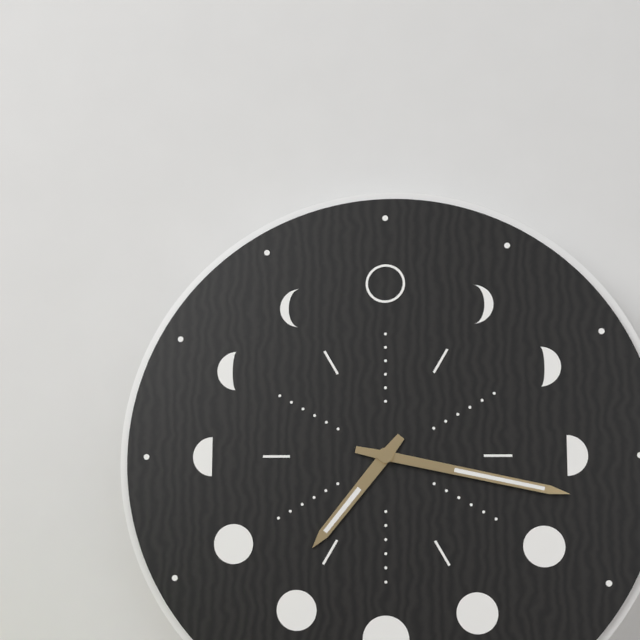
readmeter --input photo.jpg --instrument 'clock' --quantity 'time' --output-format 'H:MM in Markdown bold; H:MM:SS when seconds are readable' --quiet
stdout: **7:17**
